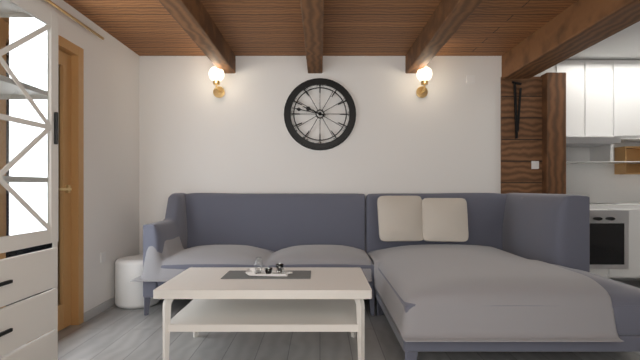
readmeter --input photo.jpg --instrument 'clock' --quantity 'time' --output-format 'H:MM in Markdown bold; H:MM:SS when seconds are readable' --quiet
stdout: **9:47**
